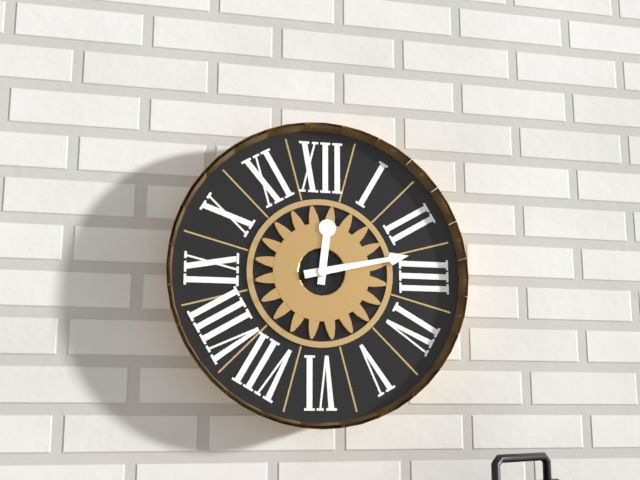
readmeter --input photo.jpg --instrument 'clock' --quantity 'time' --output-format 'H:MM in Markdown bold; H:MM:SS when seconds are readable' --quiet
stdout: **12:13**
